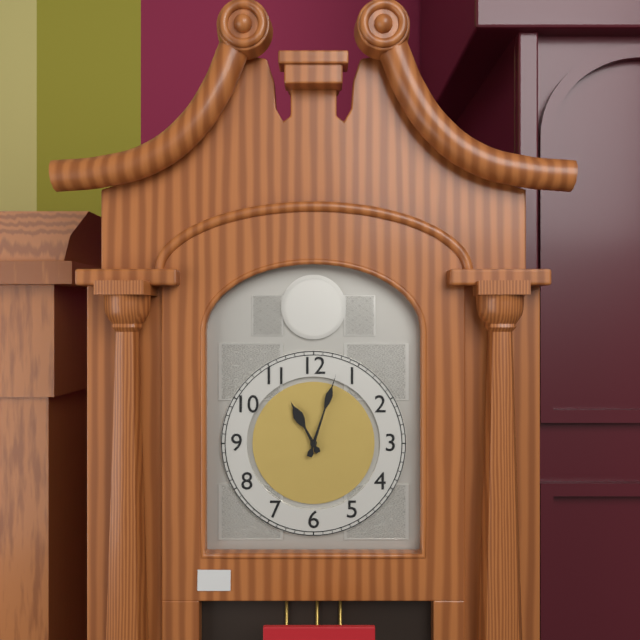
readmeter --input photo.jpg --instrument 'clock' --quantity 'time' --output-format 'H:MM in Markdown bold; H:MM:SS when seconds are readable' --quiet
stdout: **11:03**
